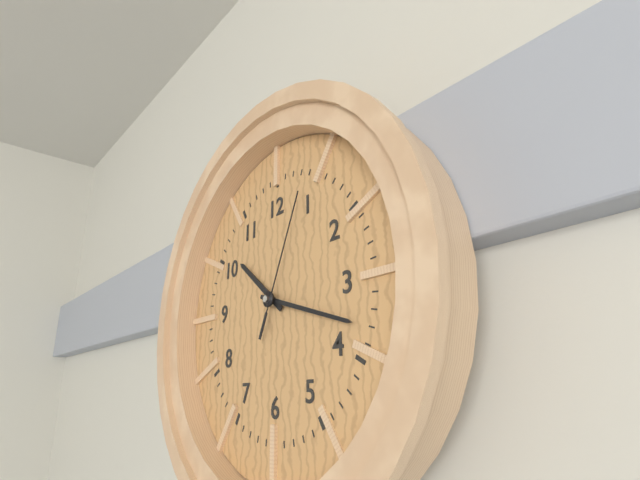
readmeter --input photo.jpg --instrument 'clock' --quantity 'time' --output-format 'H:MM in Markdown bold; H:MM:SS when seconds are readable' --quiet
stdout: **10:18:04**
